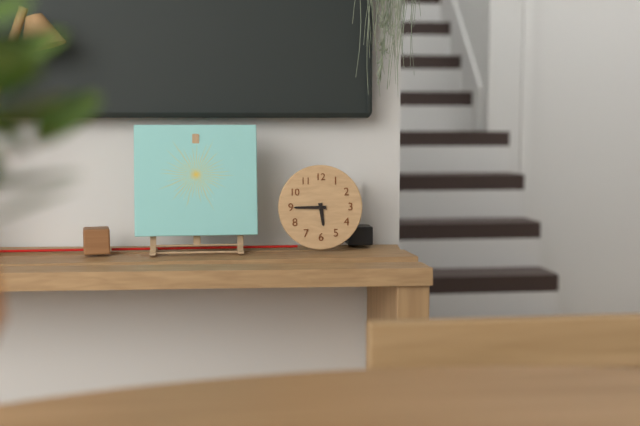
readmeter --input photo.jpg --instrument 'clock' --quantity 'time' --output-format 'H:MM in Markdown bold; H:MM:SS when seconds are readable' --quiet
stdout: **5:45**
